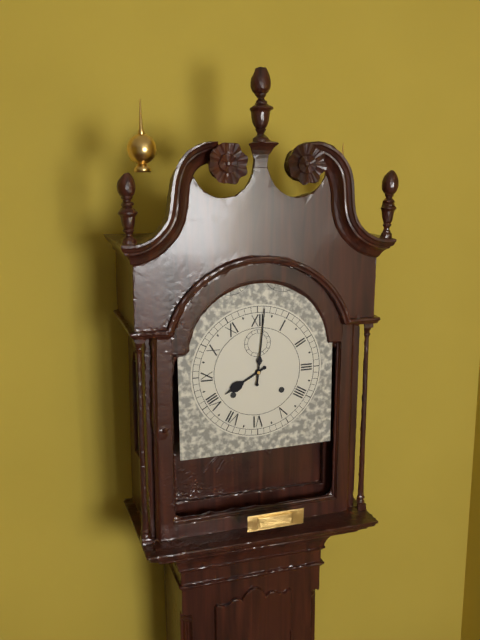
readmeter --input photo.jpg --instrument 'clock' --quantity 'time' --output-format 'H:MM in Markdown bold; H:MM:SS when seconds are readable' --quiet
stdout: **8:01**
